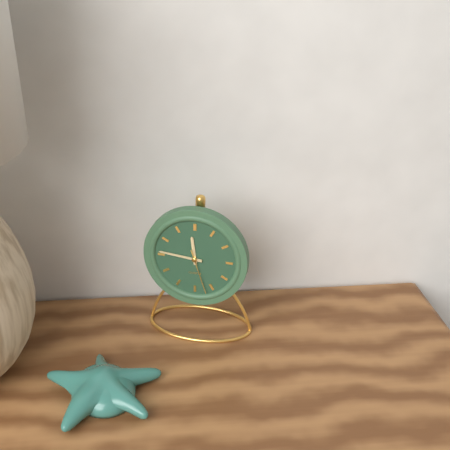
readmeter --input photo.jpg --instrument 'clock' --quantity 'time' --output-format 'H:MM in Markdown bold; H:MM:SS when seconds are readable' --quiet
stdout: **11:46**
